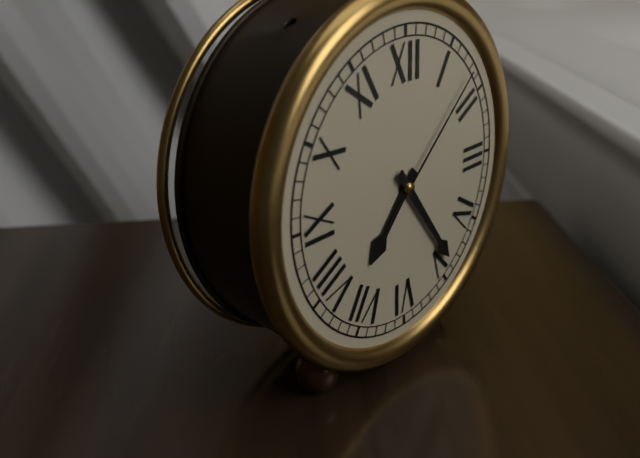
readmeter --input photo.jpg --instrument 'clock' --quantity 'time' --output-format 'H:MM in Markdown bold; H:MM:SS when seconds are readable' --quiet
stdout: **7:24:08**
